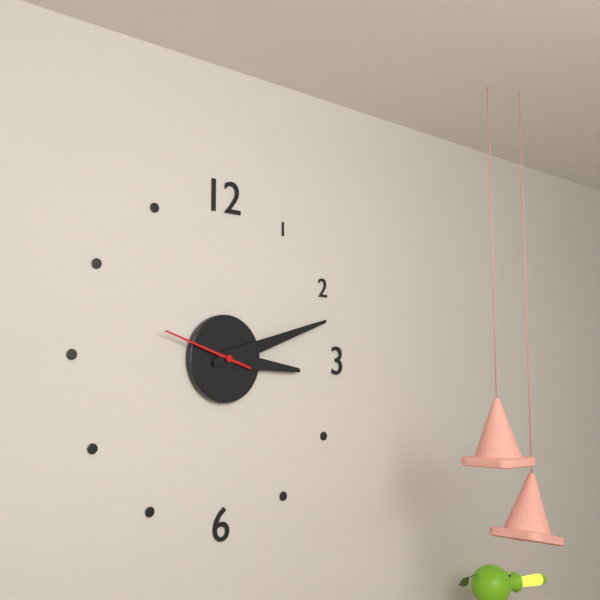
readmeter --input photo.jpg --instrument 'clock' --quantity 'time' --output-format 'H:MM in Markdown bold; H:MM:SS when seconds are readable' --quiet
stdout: **3:12:48**
